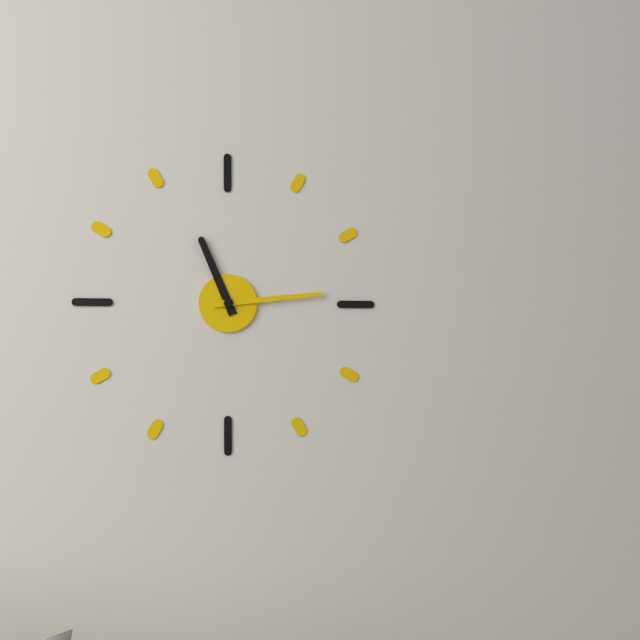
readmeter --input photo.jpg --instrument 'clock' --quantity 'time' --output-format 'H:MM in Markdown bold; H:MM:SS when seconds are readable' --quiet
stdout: **11:14**
